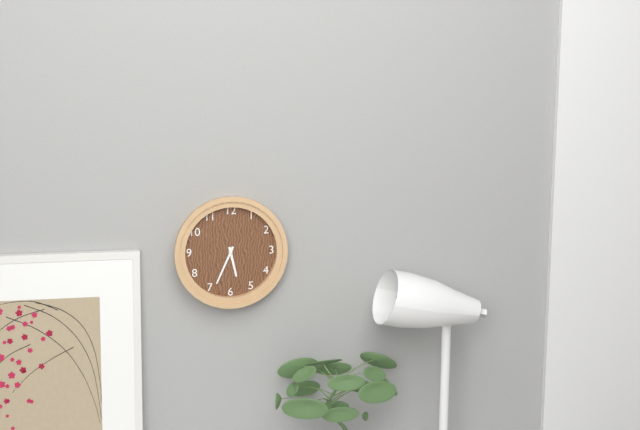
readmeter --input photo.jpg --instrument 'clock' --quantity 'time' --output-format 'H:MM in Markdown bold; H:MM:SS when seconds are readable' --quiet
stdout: **5:34**
